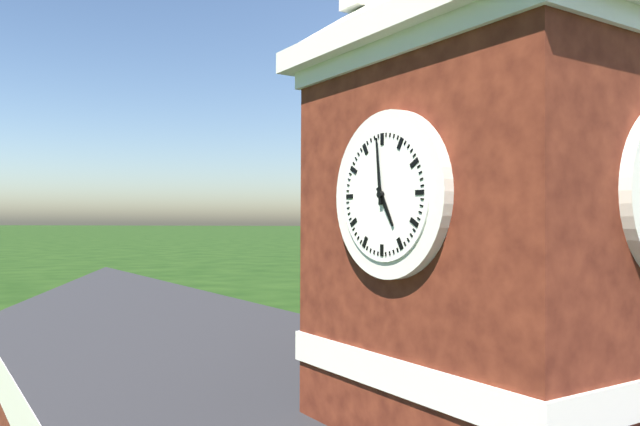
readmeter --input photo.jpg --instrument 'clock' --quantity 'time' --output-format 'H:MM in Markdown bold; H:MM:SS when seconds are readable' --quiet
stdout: **4:59**
